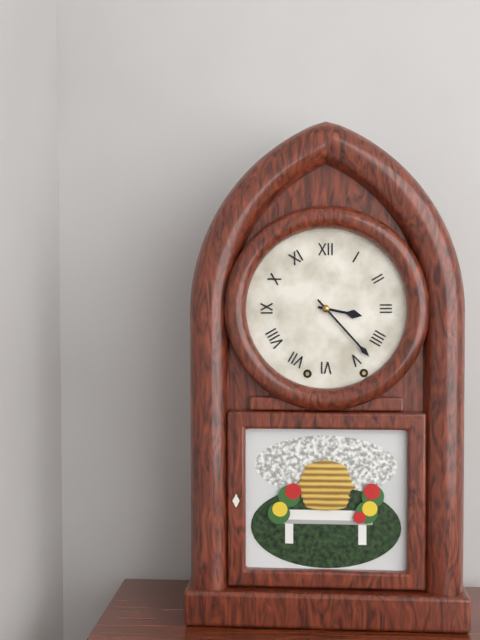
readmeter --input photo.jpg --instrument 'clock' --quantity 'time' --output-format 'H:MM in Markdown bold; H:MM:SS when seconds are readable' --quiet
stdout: **3:23**
